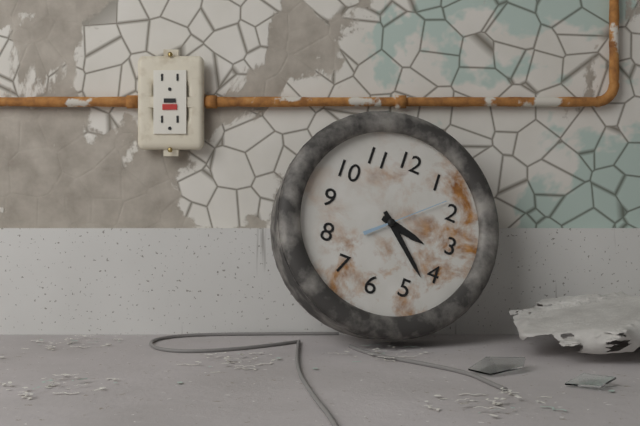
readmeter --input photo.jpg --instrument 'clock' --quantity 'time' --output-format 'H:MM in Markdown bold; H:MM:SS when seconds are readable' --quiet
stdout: **3:22:08**
